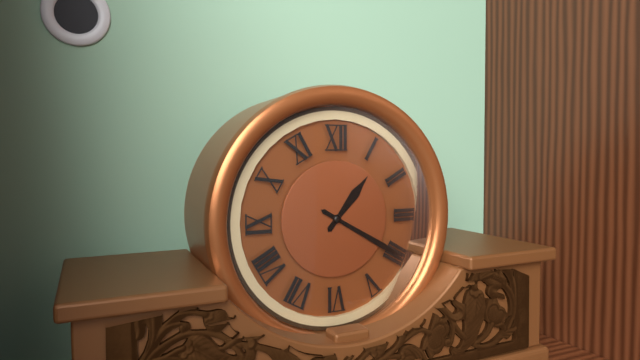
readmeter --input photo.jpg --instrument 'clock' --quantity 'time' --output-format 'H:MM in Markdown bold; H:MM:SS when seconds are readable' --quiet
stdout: **1:20**
